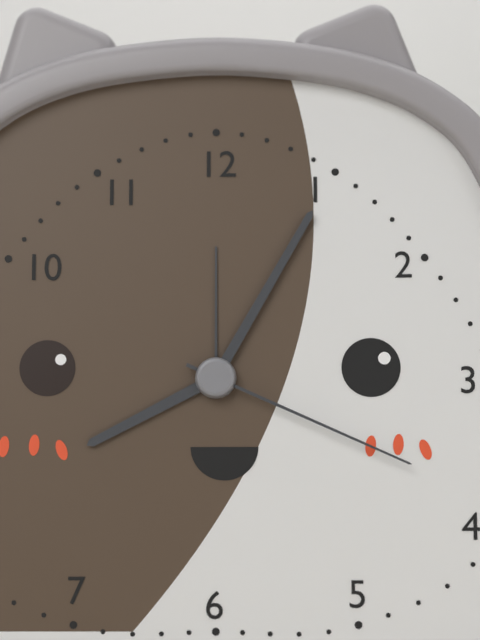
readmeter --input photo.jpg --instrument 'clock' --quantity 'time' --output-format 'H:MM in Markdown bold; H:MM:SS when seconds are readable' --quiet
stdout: **8:05:19**
